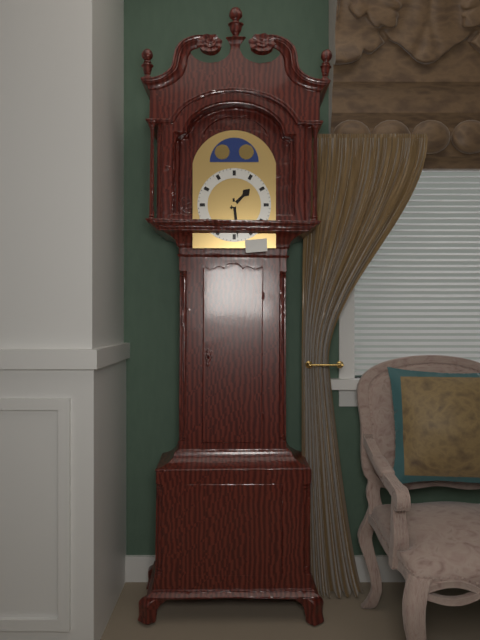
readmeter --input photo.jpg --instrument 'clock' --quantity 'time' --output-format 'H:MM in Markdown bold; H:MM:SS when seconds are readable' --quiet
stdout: **1:29**
